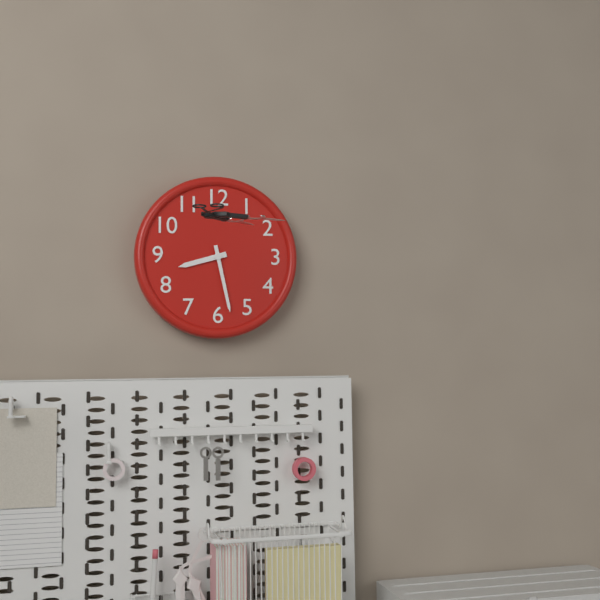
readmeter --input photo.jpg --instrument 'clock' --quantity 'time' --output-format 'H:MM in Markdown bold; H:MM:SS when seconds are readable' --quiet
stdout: **8:28**
